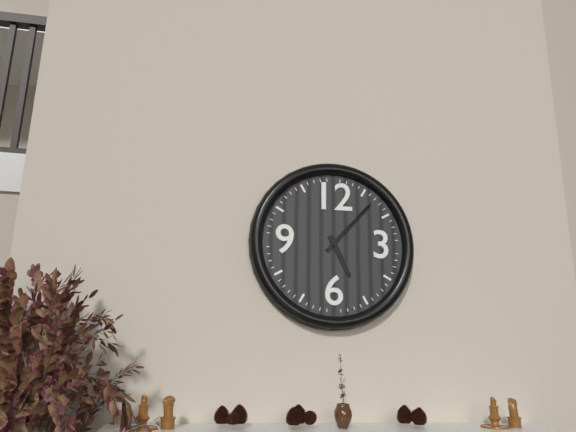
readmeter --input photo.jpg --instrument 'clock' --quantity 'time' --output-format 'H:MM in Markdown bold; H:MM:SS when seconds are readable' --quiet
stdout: **5:07**
